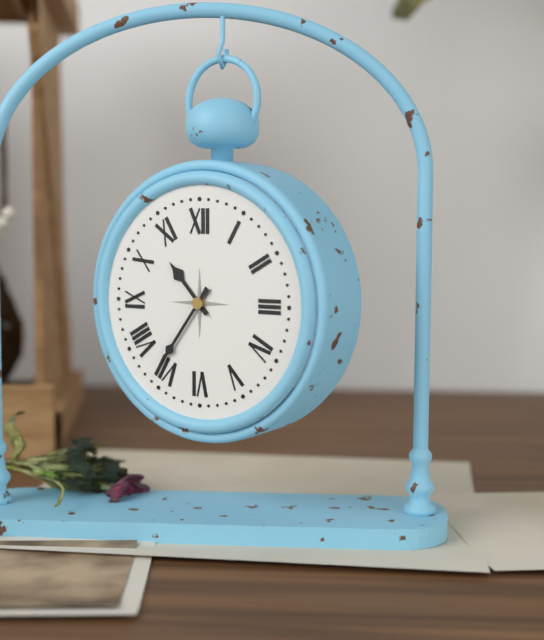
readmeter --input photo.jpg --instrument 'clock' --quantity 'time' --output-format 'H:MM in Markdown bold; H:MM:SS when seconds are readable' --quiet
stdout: **10:36**
